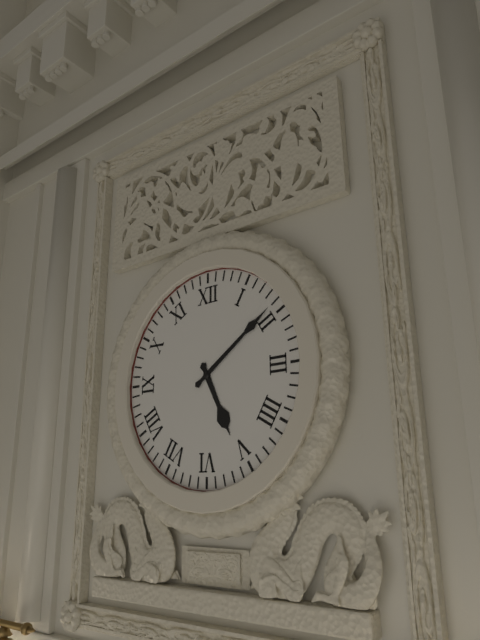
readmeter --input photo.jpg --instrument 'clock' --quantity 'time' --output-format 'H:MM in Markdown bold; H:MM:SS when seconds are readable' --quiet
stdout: **5:09**
